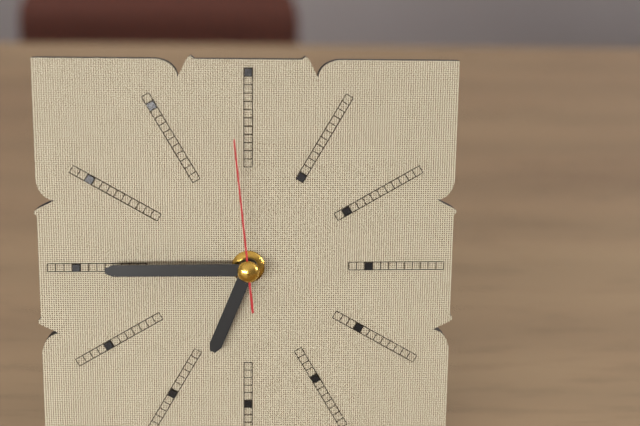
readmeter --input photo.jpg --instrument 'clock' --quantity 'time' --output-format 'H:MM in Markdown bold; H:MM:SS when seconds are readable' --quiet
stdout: **6:45:59**
